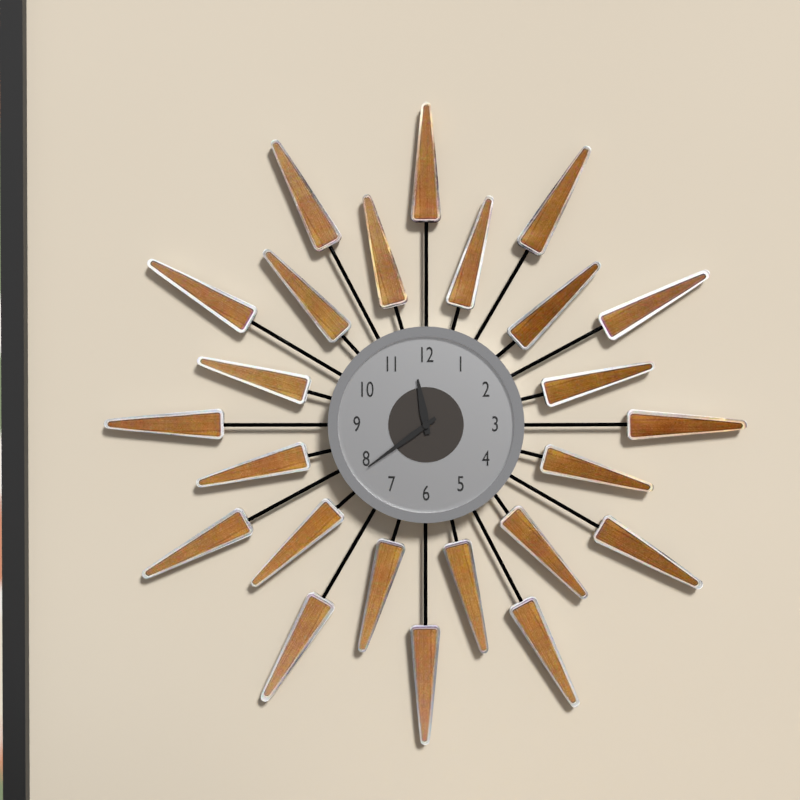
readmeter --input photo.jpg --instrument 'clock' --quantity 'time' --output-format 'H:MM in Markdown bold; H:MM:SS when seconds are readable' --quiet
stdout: **11:39**
